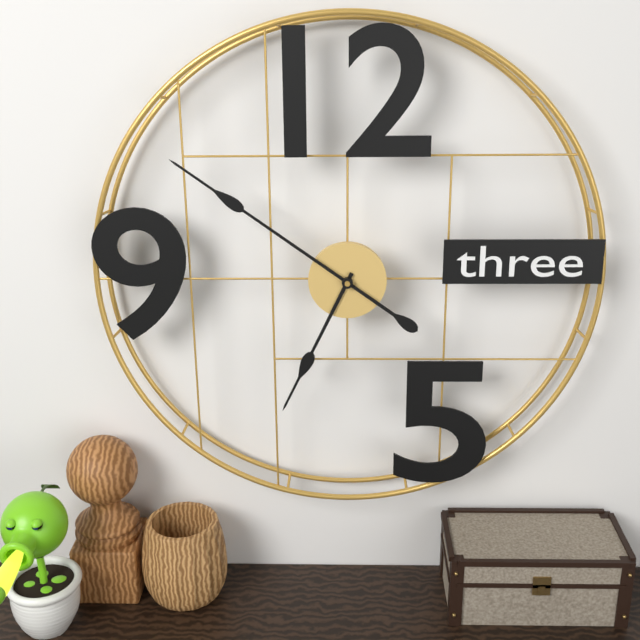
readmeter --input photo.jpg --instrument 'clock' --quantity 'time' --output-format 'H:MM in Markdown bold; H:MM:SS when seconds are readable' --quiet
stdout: **6:51**
